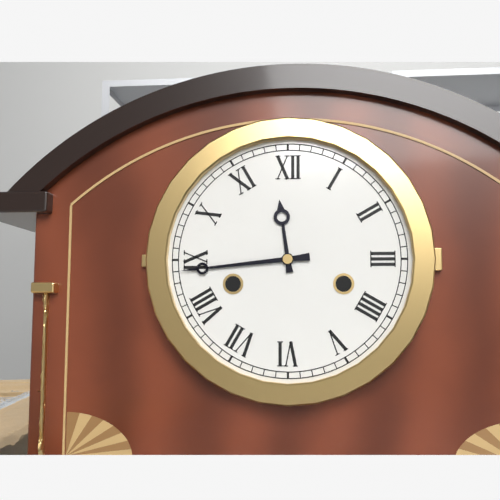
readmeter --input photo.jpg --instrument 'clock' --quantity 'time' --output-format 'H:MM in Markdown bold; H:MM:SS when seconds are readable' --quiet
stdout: **11:44**
